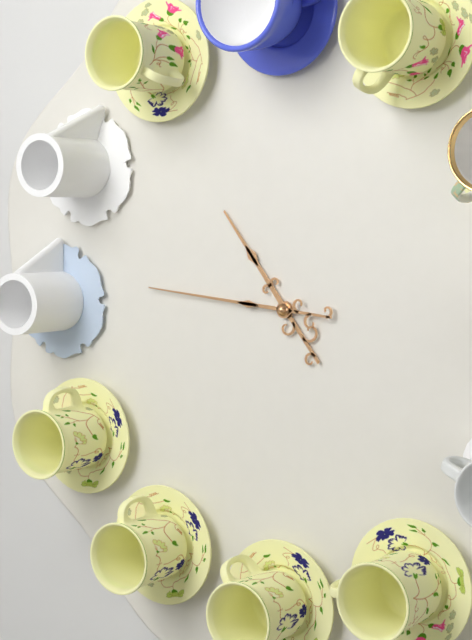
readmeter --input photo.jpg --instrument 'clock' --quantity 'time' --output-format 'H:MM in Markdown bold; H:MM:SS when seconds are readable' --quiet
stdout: **10:46**
